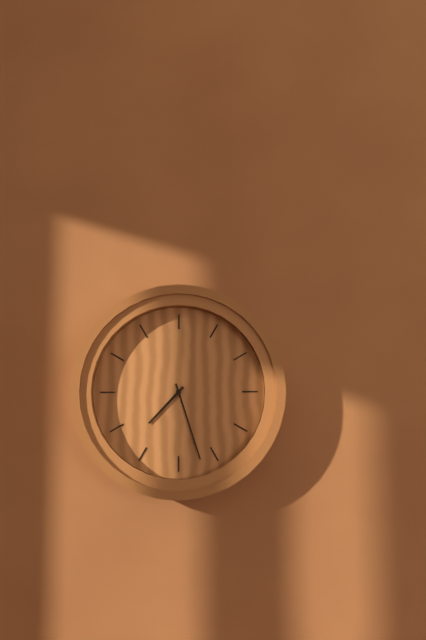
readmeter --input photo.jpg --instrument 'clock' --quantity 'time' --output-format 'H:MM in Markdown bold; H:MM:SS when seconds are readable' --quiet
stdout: **7:27**
